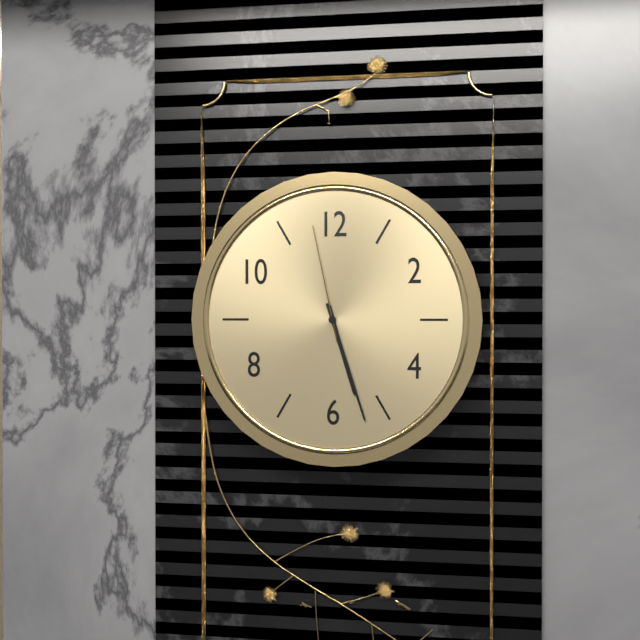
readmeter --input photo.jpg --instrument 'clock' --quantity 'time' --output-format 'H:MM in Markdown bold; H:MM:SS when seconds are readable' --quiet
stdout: **5:27:58**
